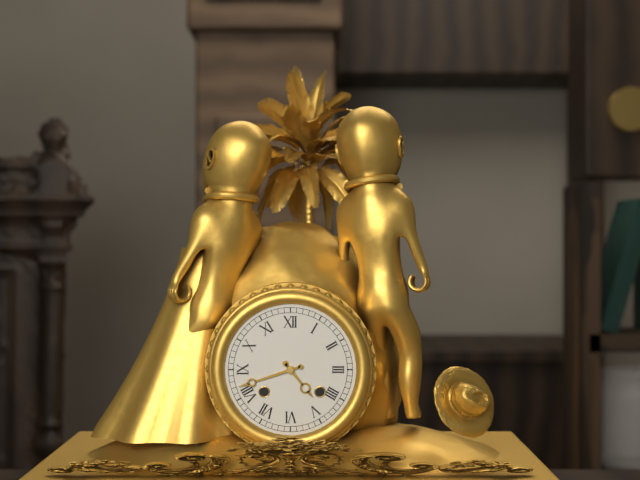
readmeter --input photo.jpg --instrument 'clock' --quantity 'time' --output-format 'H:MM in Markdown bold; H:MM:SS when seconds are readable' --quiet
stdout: **4:42**
